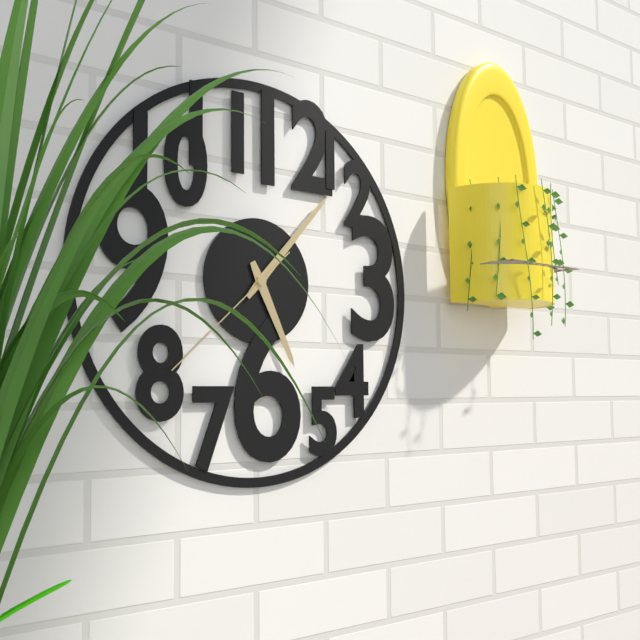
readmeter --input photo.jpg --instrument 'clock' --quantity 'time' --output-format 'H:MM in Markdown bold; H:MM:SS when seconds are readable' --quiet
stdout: **5:07:38**
